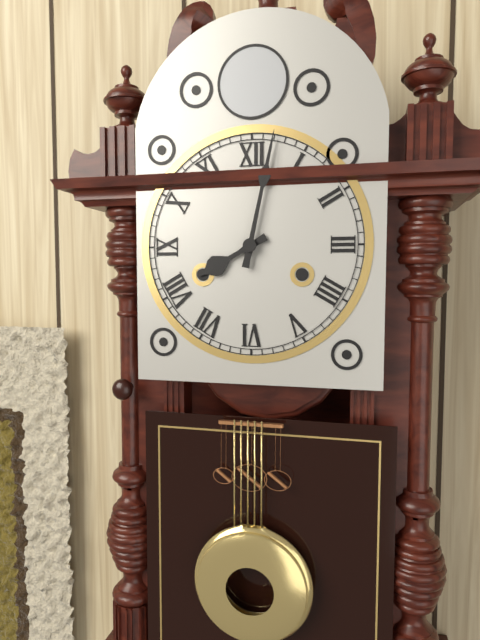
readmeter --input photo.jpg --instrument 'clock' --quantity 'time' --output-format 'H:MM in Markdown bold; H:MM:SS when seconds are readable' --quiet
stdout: **8:02**
